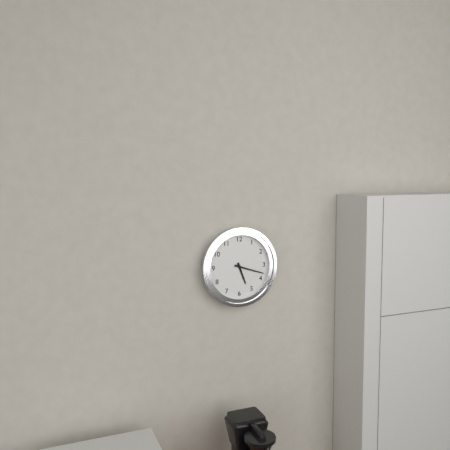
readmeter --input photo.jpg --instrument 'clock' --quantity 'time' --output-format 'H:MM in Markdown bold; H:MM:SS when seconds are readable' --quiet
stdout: **5:18**
